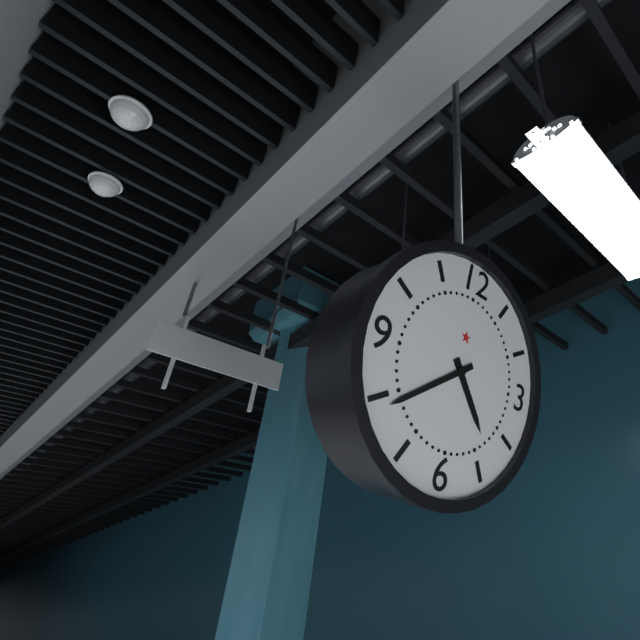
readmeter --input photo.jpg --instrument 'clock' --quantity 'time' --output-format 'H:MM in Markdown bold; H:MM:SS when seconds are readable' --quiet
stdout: **4:39**
